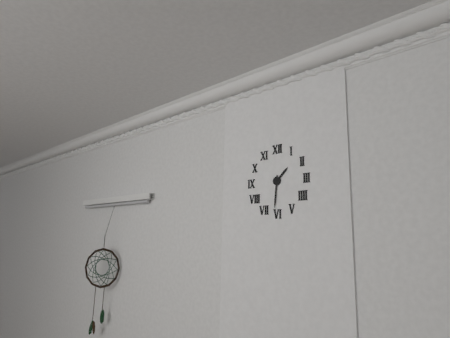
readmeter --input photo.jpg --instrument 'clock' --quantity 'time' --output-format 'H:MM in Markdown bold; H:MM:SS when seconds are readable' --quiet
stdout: **1:31**
